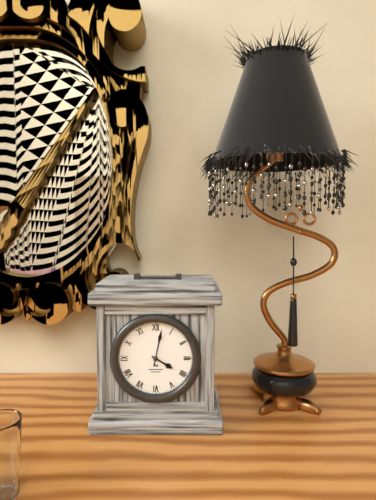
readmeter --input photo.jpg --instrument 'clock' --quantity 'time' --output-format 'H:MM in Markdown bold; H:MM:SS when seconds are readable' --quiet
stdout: **4:02**
